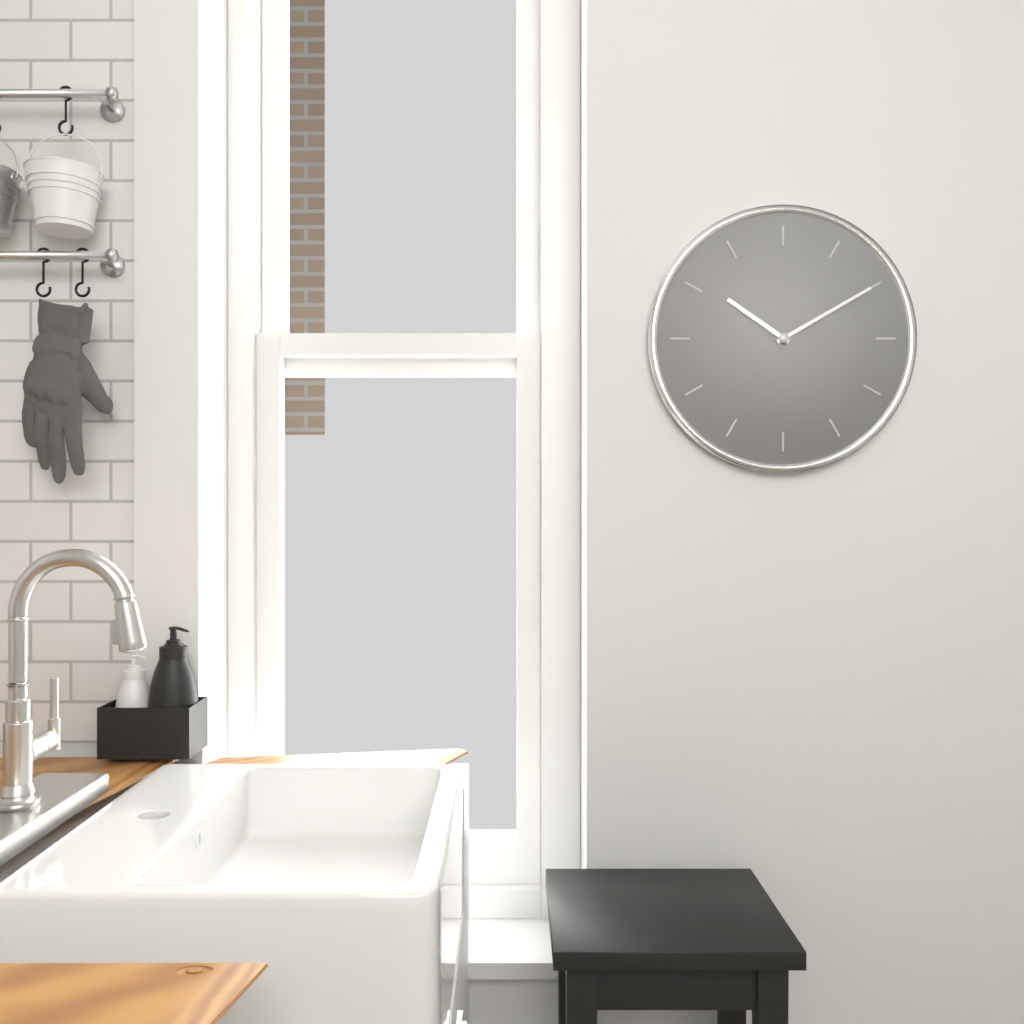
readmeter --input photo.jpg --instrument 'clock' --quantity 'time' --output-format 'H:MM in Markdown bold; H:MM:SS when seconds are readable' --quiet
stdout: **10:10**
